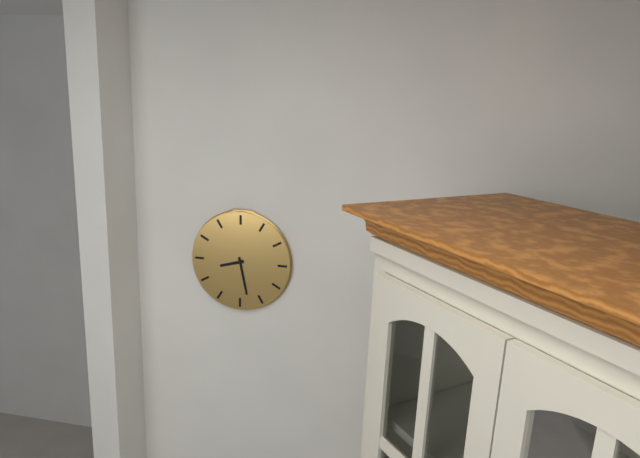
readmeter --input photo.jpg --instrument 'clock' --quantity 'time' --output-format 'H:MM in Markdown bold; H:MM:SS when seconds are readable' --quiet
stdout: **8:28**
